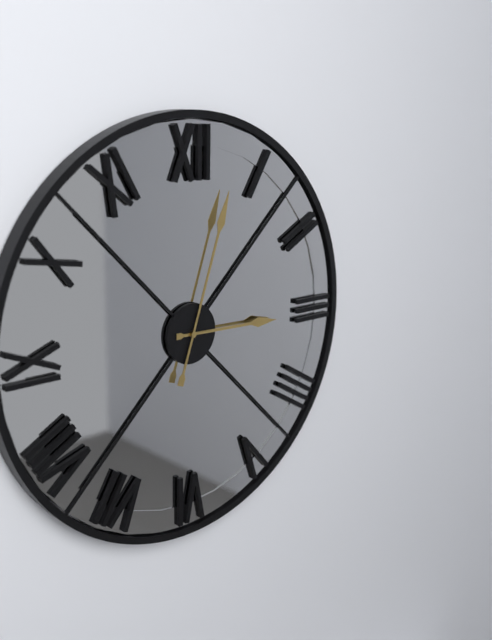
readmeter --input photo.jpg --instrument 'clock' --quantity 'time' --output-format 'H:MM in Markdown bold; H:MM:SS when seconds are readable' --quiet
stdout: **3:03**
